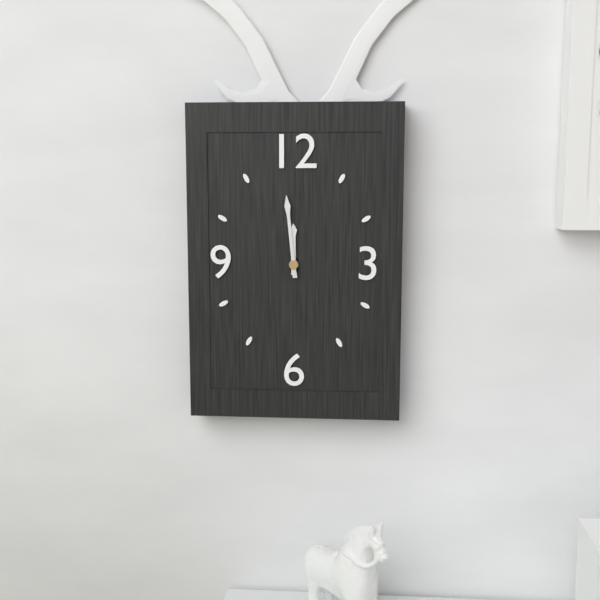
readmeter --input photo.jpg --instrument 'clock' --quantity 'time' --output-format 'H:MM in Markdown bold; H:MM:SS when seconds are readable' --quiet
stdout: **11:59**
